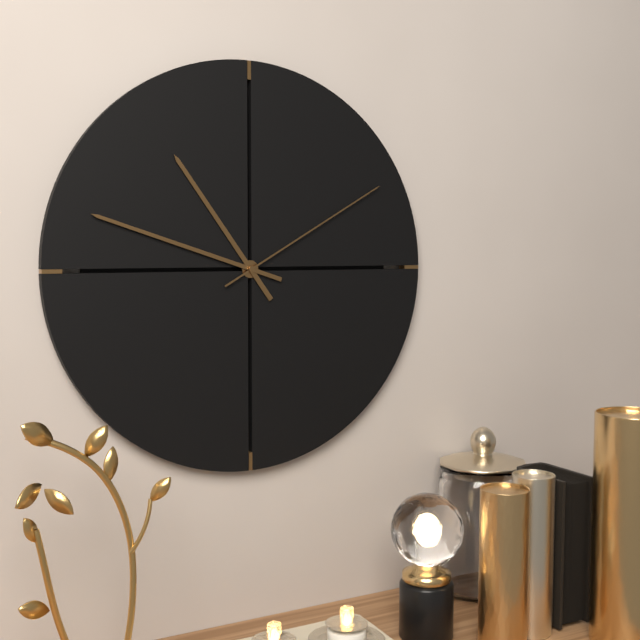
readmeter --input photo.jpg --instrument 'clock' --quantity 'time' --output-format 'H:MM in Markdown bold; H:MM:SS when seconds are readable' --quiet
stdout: **10:48:10**
